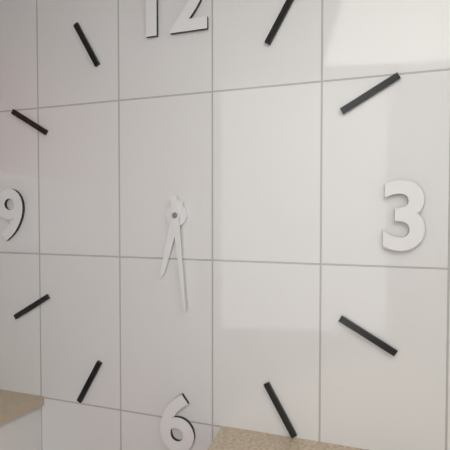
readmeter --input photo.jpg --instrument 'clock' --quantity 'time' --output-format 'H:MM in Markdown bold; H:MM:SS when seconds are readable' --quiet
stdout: **6:29**
